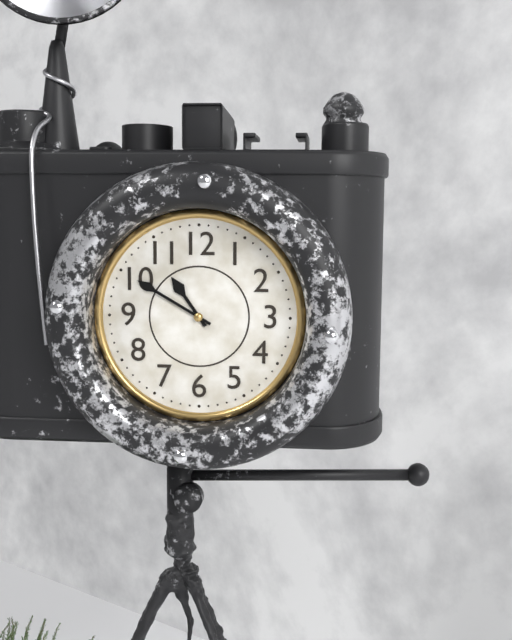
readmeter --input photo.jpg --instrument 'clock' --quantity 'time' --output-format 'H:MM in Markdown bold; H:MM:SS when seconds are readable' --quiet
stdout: **10:50**
